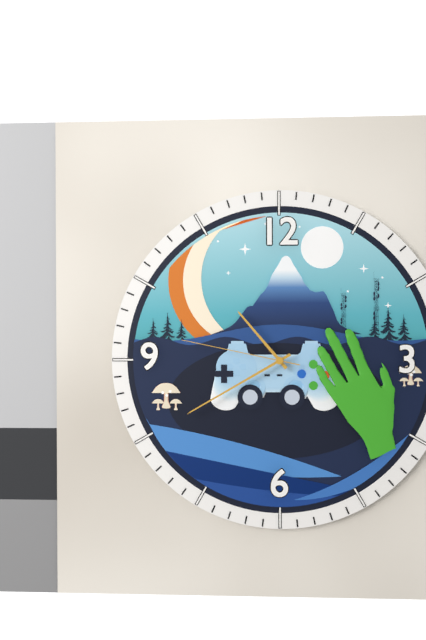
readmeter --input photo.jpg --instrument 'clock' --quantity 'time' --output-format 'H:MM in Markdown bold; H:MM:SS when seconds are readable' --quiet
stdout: **10:40:47**
